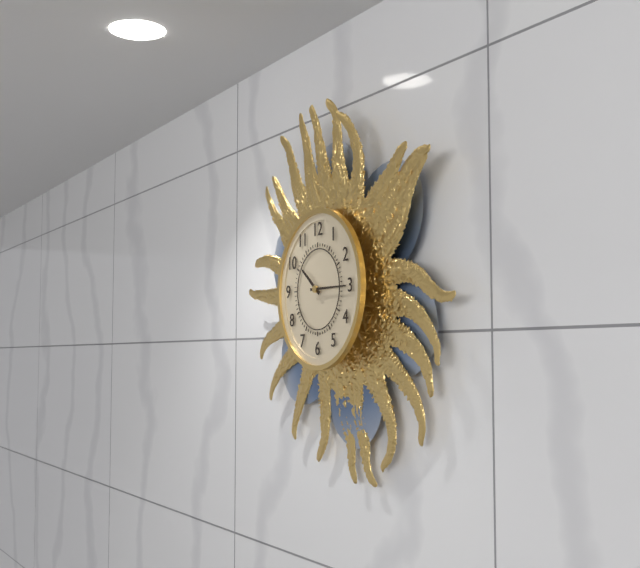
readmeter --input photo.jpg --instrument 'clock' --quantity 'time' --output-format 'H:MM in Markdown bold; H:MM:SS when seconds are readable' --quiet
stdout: **10:15**
